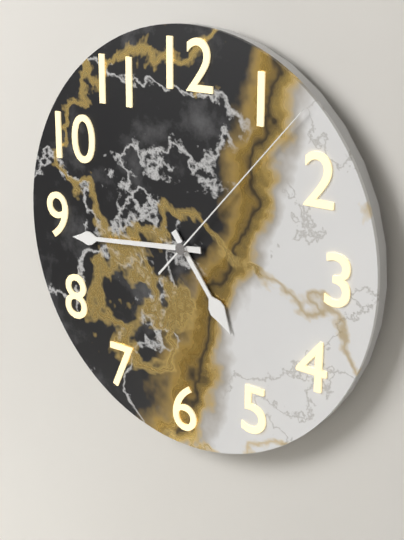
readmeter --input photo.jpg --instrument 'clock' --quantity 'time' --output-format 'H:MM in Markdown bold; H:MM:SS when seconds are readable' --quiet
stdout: **4:44:07**
